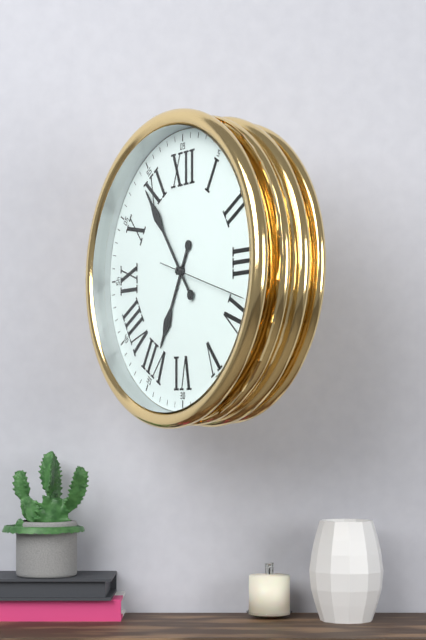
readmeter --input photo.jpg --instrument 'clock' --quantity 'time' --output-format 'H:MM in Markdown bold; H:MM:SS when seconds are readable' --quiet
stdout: **6:54:18**
